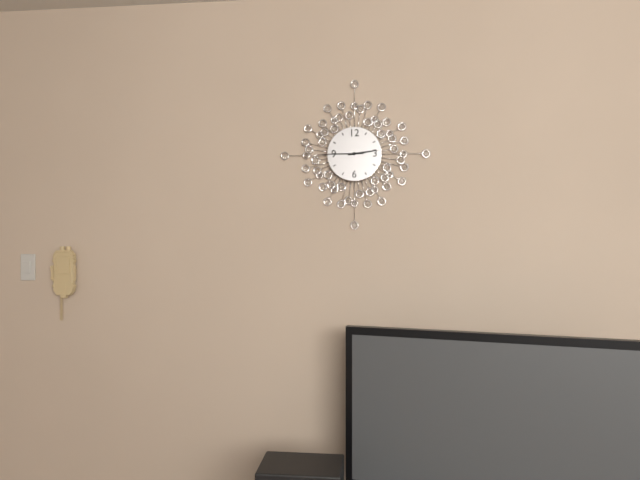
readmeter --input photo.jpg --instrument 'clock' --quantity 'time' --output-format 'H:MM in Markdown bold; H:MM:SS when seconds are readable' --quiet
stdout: **2:45**
